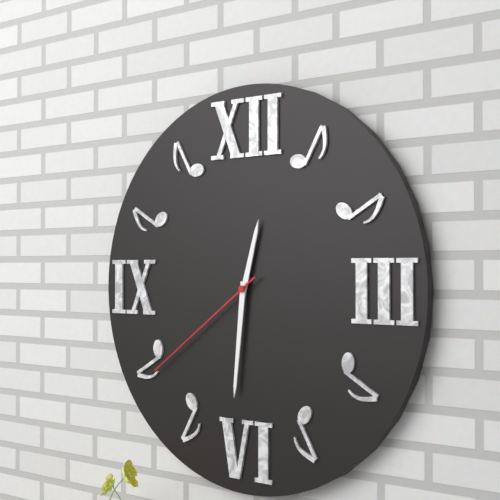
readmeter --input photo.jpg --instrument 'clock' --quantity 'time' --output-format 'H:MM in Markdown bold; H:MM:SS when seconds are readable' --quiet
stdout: **12:31:39**
